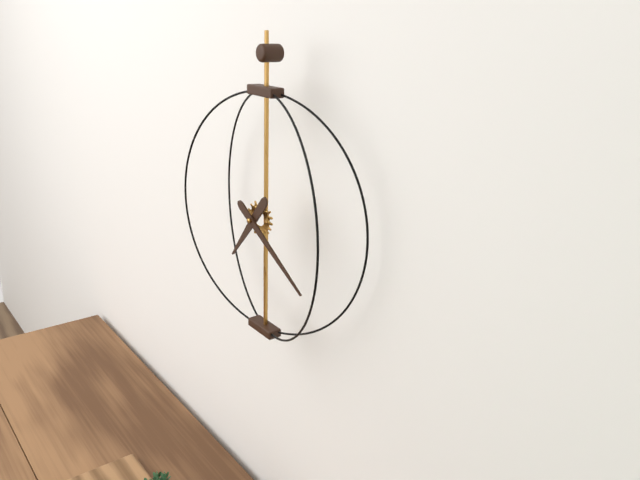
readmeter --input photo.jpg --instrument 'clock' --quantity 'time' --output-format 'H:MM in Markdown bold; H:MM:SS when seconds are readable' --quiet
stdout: **7:20**
